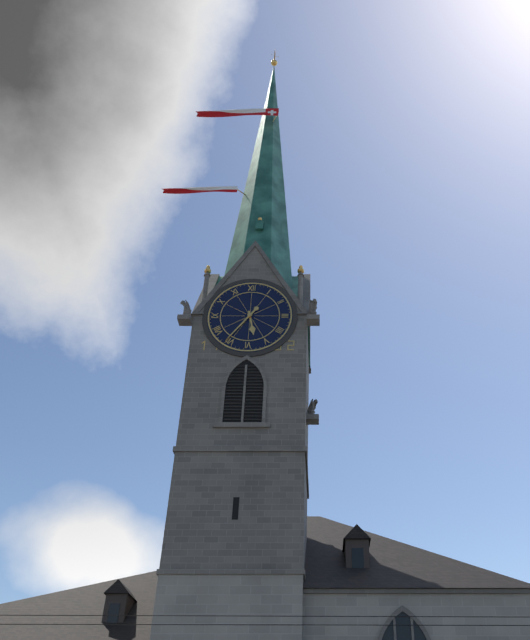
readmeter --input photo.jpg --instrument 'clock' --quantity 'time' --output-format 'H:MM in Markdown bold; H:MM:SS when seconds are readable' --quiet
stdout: **5:36**
